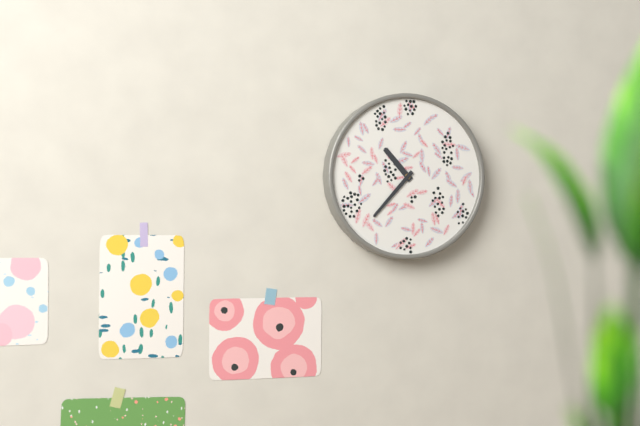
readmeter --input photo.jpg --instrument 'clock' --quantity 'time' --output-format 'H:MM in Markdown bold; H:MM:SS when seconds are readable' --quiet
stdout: **10:37**
